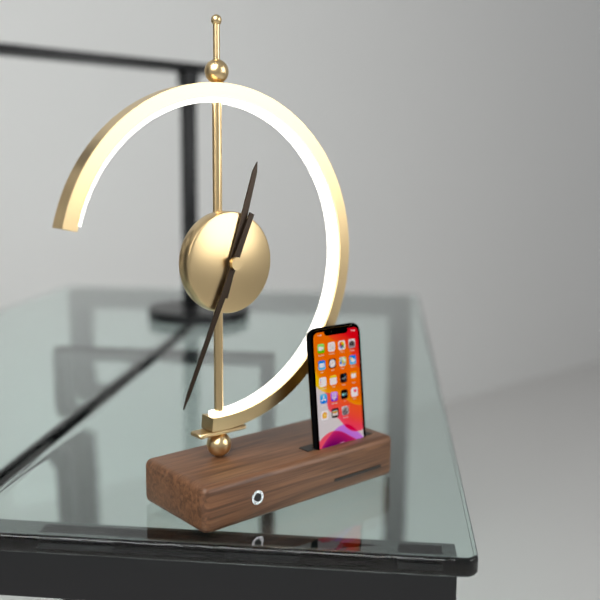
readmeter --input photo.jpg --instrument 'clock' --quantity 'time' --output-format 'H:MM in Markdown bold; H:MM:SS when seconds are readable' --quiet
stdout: **12:34**
